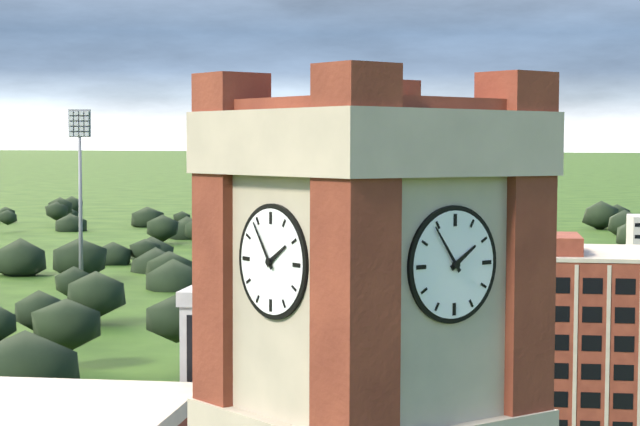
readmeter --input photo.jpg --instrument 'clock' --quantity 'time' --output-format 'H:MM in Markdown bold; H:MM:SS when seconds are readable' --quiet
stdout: **1:54**
